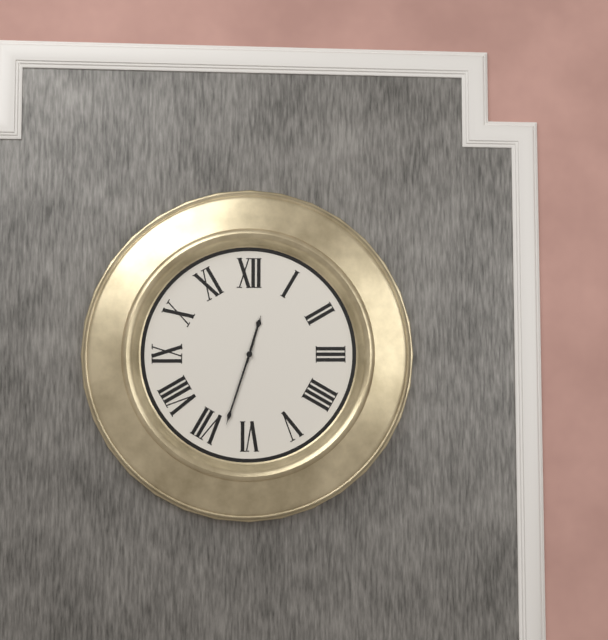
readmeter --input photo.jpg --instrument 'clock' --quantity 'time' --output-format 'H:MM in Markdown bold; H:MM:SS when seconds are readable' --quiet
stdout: **12:33**
